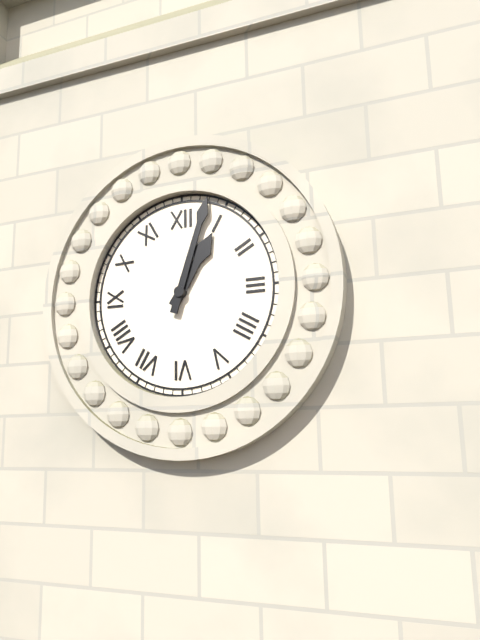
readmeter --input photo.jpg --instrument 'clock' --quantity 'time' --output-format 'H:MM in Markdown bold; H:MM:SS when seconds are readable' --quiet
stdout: **1:03**
